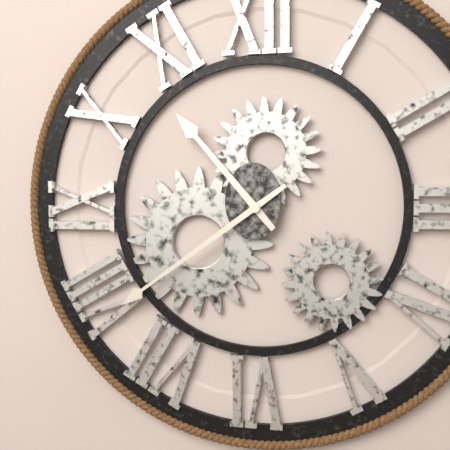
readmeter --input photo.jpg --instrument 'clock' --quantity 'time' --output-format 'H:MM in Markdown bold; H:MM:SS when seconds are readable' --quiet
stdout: **10:39**
